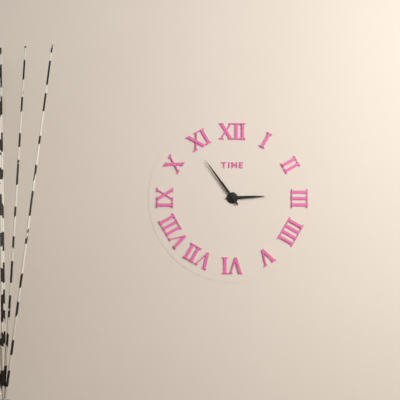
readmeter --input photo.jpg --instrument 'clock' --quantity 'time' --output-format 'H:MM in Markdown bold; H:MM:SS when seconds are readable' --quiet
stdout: **2:54**
